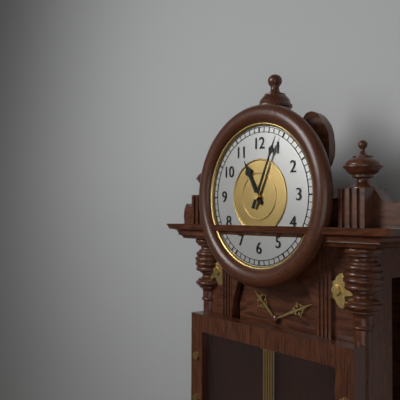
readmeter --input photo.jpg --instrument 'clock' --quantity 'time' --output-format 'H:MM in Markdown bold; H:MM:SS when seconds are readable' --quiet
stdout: **11:04**
